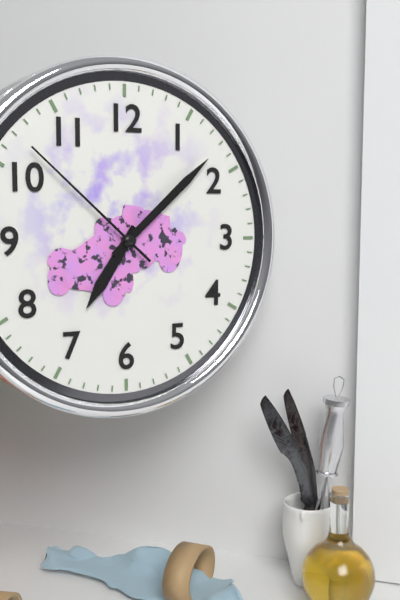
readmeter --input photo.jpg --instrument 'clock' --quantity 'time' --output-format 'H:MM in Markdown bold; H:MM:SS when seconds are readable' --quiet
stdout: **7:08:52**
